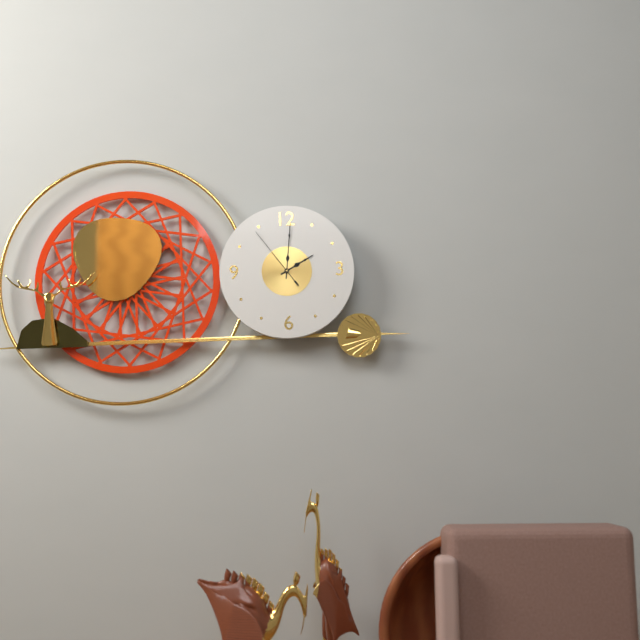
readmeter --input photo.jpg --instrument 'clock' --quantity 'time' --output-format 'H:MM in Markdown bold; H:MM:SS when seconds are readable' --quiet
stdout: **2:01:54**
